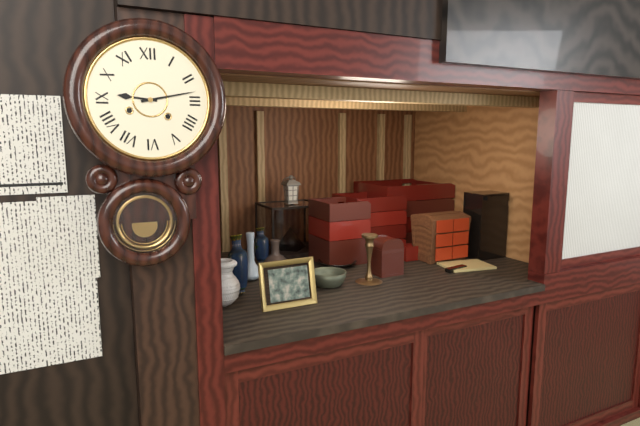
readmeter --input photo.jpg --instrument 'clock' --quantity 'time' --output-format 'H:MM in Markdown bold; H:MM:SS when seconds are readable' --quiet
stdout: **9:13**
